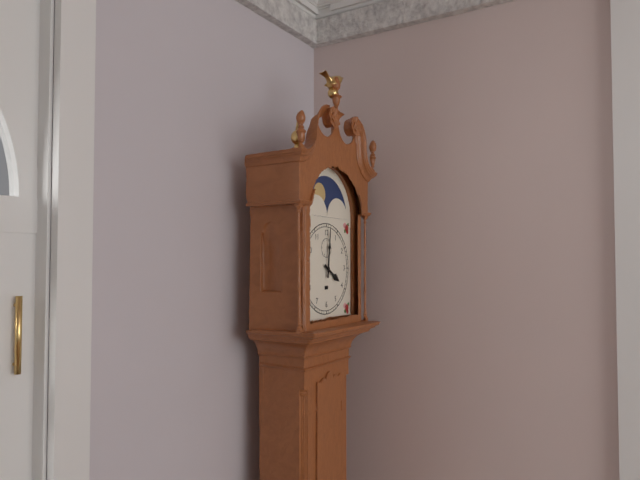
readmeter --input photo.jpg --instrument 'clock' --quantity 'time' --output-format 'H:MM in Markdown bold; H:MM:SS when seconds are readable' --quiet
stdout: **4:01**
